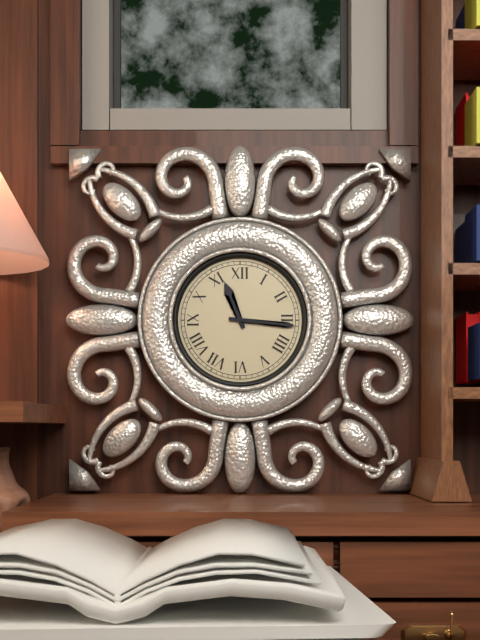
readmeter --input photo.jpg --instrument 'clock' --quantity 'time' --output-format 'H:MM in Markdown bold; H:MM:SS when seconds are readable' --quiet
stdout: **11:16**
